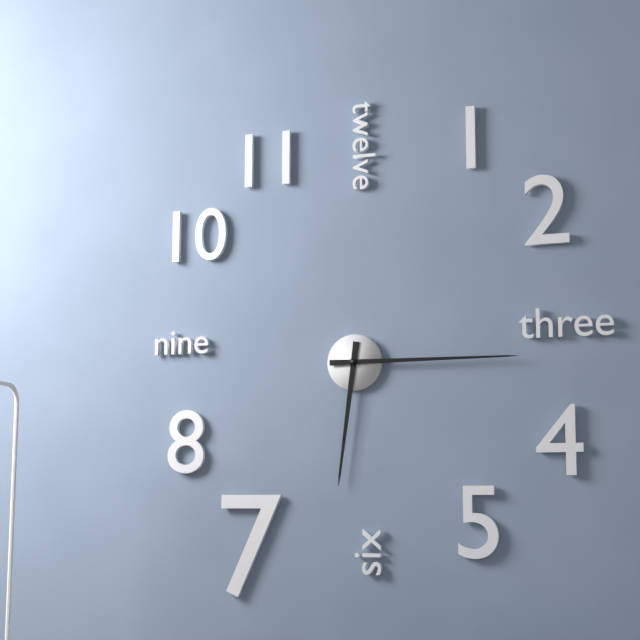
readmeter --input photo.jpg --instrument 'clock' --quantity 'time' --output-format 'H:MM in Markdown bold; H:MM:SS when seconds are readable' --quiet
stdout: **6:15**
